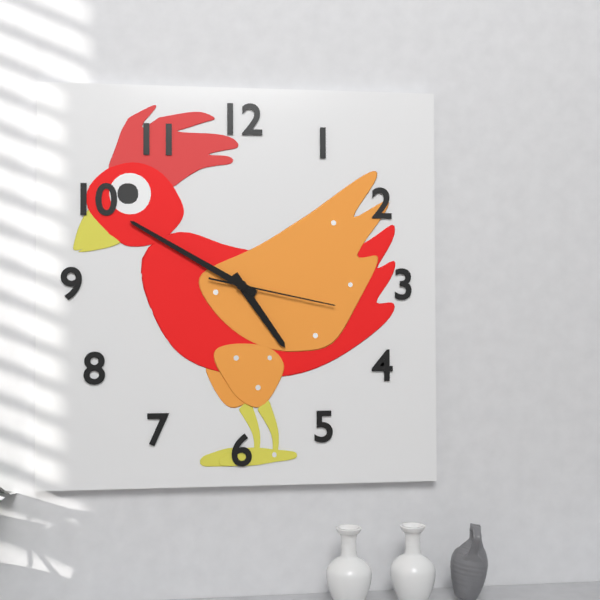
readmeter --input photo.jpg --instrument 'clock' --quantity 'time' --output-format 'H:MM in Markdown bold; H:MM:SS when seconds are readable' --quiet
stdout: **4:50:17**
